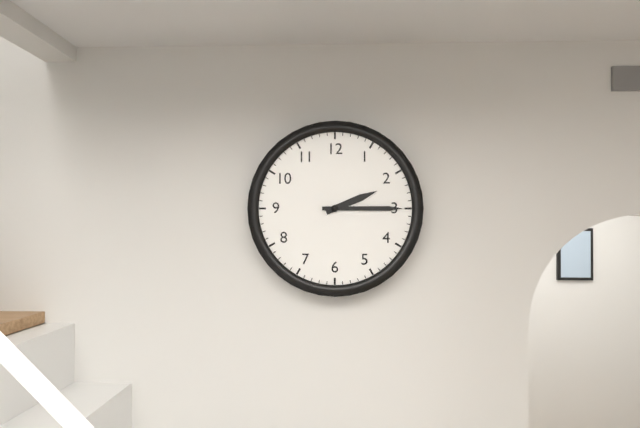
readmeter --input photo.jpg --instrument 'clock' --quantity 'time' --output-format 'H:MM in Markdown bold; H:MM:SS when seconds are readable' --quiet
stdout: **2:15**
